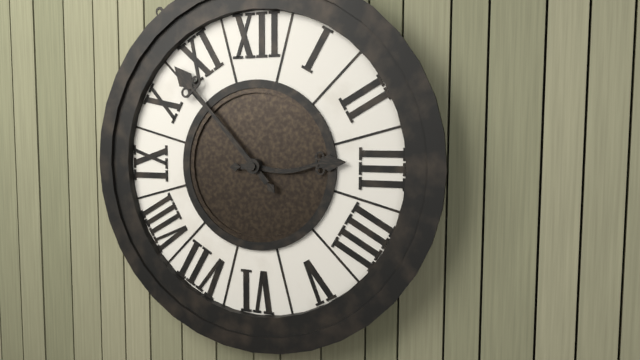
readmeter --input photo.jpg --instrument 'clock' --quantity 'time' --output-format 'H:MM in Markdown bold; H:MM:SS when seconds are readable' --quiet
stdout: **2:53**
